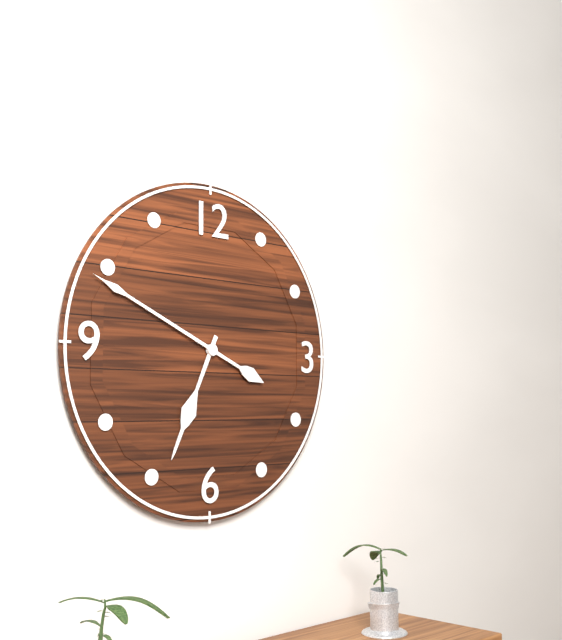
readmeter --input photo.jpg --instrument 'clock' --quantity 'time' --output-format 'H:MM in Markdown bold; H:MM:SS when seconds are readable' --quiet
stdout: **6:49**
